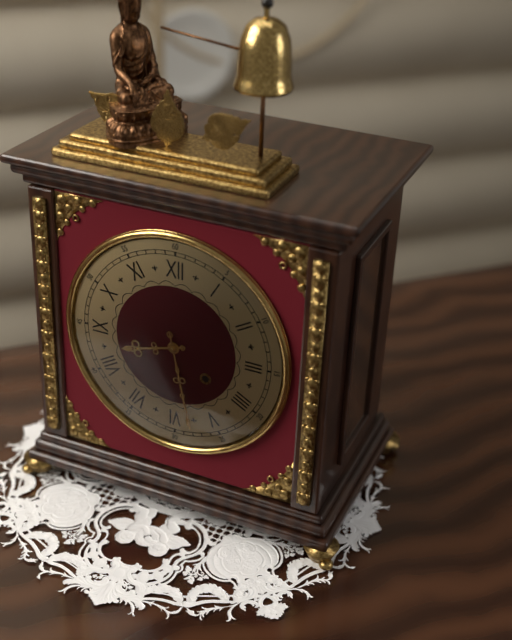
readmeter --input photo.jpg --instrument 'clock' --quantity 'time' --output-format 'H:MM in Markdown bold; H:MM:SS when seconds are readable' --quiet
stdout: **8:28**
